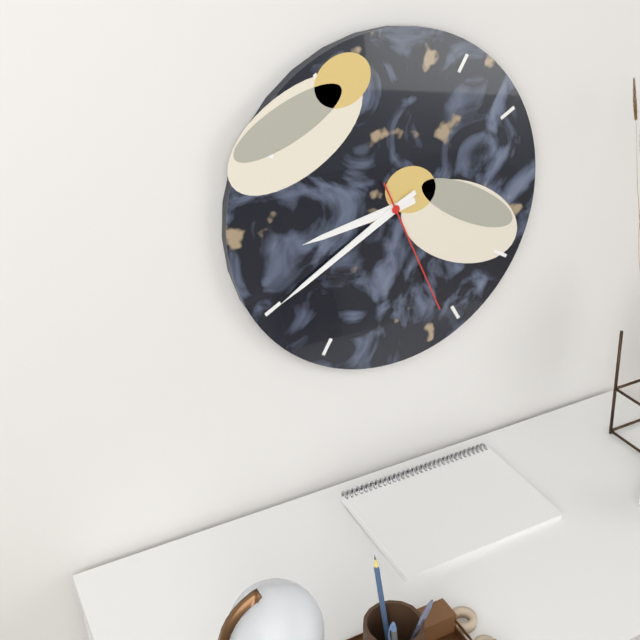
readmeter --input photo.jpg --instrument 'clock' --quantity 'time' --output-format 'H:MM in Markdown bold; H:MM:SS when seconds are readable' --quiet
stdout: **8:40:26**
